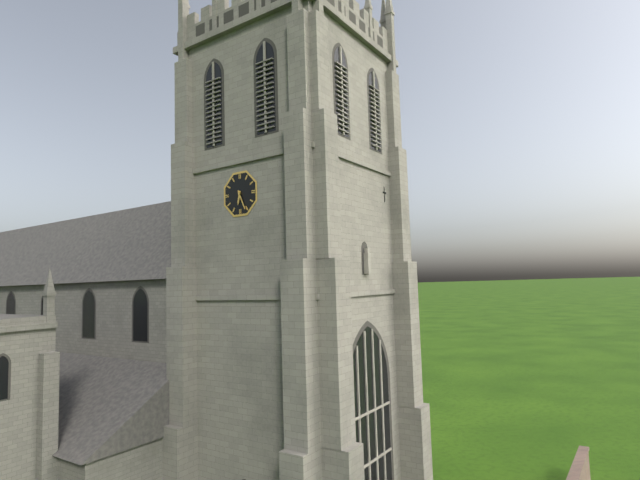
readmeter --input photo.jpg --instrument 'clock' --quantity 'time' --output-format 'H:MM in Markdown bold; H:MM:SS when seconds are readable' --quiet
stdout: **6:26**
